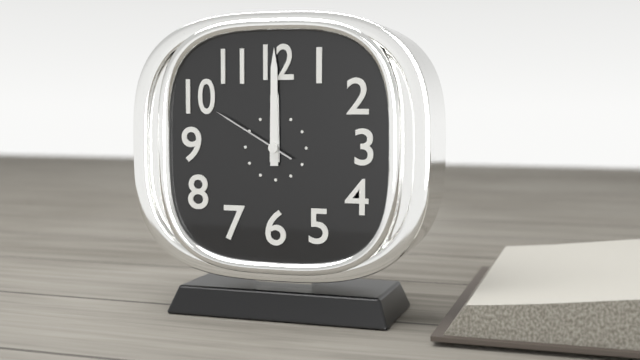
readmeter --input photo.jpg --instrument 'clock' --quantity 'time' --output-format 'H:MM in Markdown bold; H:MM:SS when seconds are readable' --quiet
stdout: **12:00:50**
